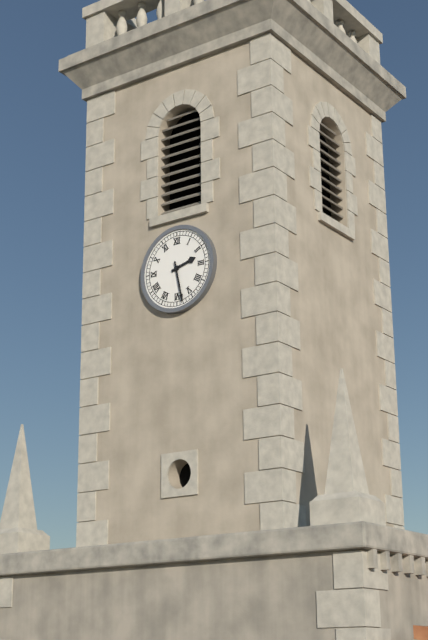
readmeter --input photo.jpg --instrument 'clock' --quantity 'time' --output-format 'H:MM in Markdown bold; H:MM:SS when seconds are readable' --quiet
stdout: **2:28**
